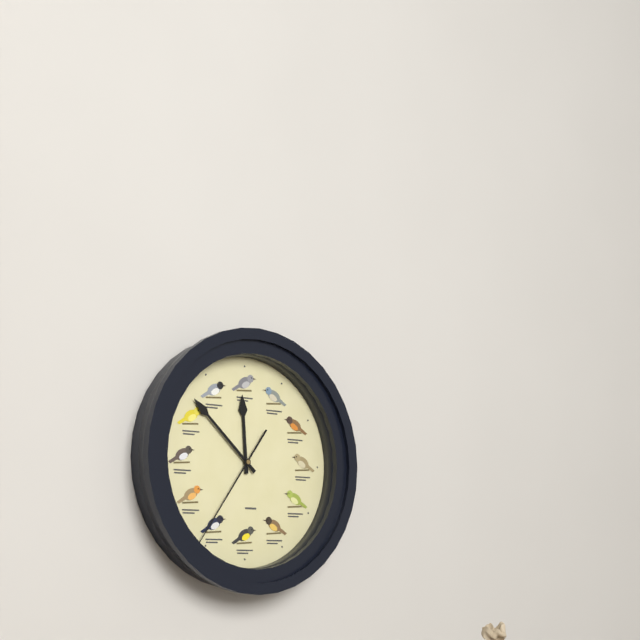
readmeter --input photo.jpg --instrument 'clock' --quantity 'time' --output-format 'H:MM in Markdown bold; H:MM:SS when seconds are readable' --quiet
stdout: **11:52:36**
